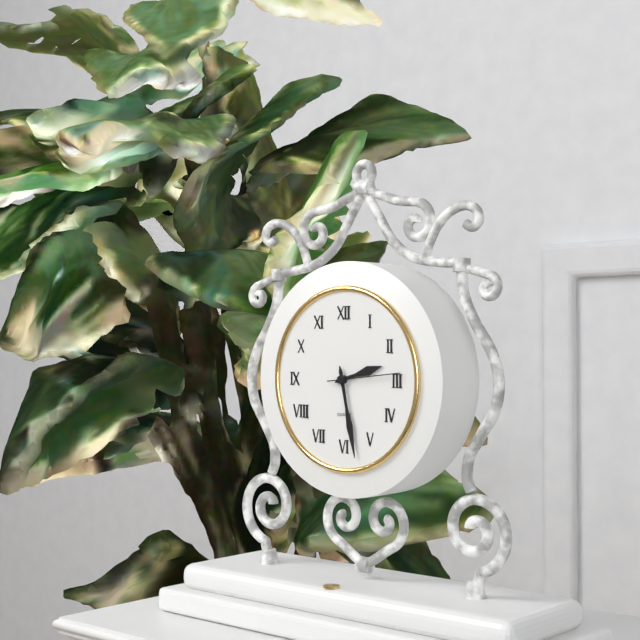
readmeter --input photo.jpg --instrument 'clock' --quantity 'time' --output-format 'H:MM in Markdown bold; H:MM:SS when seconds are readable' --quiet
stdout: **2:28:14**
